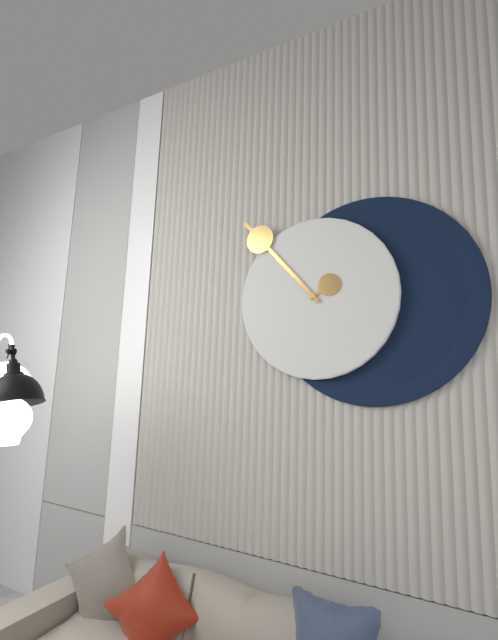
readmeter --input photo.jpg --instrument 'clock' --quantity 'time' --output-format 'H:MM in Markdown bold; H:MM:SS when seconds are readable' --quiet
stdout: **1:53**
